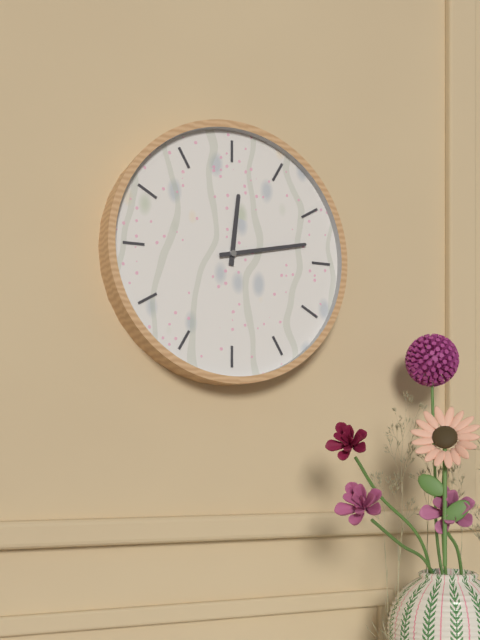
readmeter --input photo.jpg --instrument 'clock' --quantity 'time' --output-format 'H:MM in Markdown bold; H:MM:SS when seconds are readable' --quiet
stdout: **12:13**
